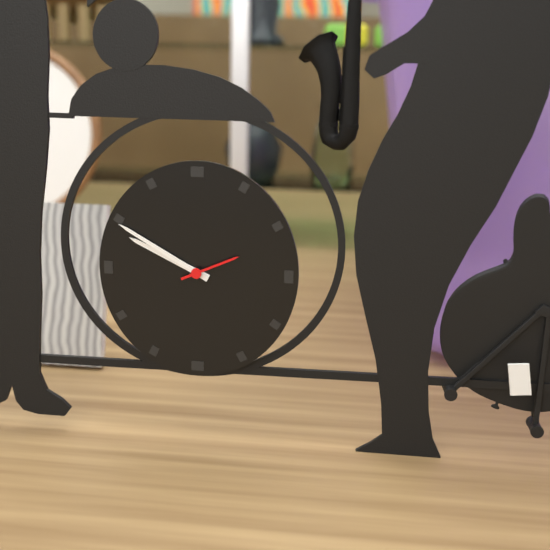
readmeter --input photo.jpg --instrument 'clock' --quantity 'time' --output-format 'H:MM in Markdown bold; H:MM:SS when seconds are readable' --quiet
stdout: **9:50:11**
